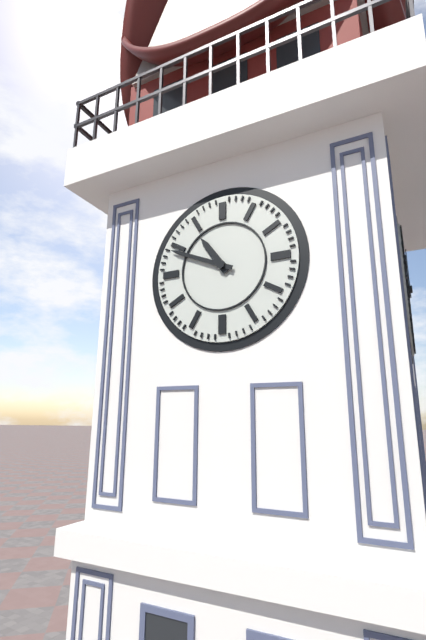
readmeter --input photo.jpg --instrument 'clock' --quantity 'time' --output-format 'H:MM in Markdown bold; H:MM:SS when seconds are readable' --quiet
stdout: **10:49**
